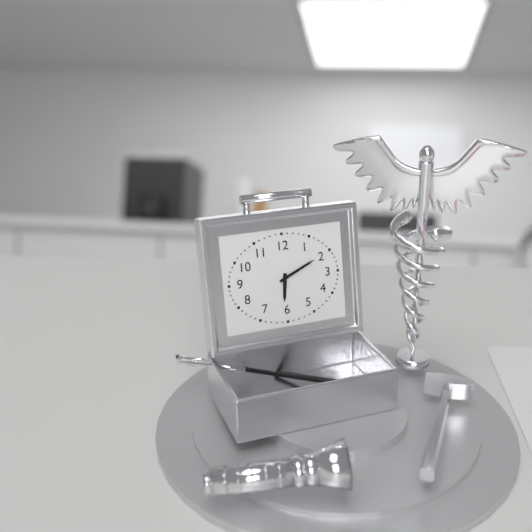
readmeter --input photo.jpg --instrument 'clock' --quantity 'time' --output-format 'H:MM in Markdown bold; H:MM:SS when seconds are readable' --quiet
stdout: **6:11**
